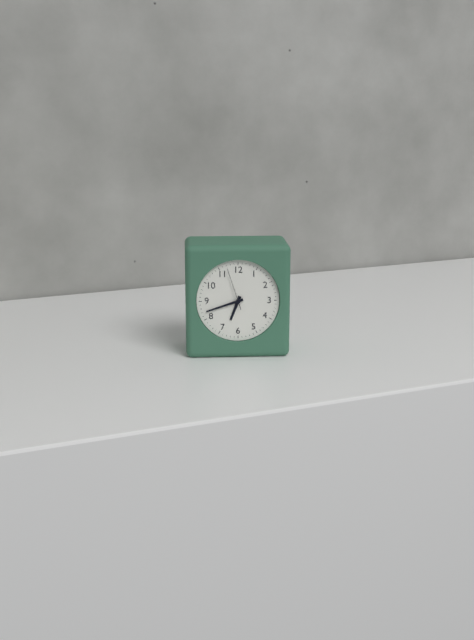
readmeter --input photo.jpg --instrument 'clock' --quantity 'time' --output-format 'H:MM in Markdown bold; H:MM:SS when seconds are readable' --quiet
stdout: **6:42**
